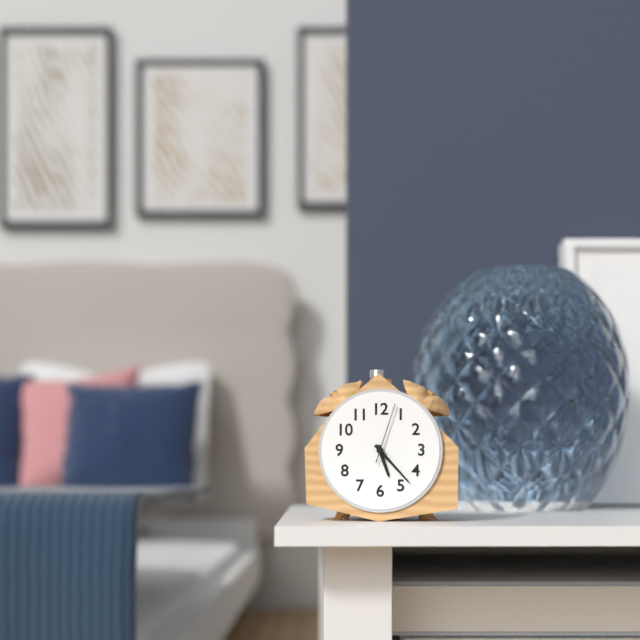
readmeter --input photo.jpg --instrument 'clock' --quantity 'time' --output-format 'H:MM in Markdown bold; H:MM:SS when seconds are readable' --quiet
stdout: **5:23:03**
